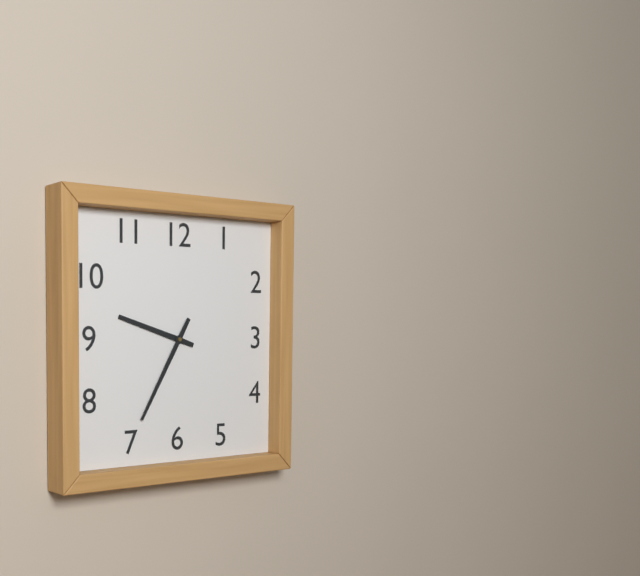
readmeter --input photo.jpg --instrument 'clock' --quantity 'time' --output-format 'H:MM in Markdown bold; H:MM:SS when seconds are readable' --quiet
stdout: **9:35**
